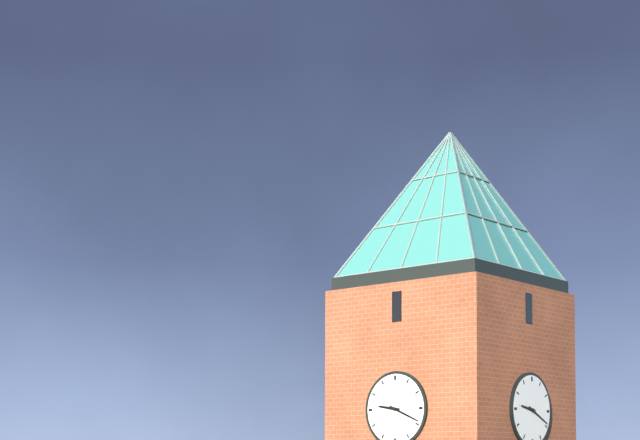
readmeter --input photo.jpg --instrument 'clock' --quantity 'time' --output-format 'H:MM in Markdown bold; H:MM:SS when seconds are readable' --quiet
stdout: **9:19**
